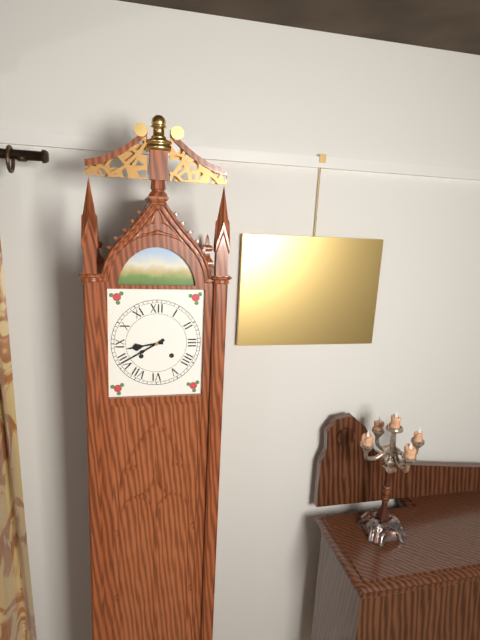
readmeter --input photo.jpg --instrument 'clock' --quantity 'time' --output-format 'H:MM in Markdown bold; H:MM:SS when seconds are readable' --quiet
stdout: **8:40**
